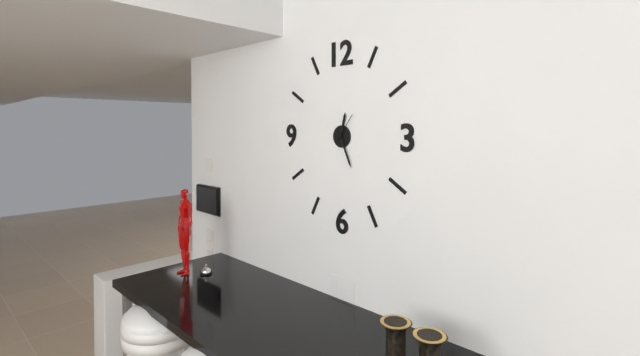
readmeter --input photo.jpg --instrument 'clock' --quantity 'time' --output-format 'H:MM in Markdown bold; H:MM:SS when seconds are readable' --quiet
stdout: **12:26**
